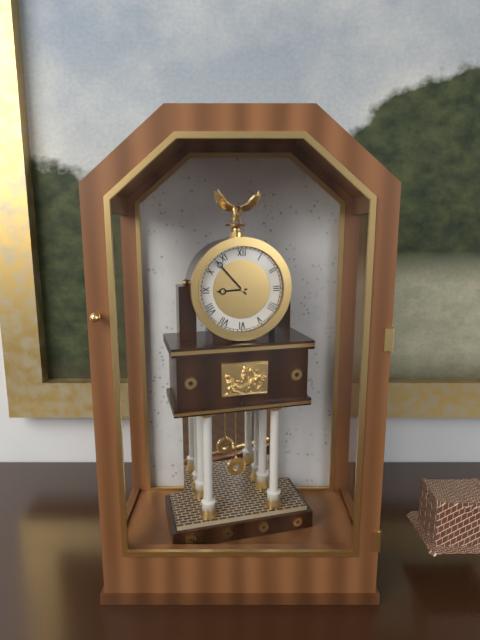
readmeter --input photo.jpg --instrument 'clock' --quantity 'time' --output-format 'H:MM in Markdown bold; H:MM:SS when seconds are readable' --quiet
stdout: **8:53**
